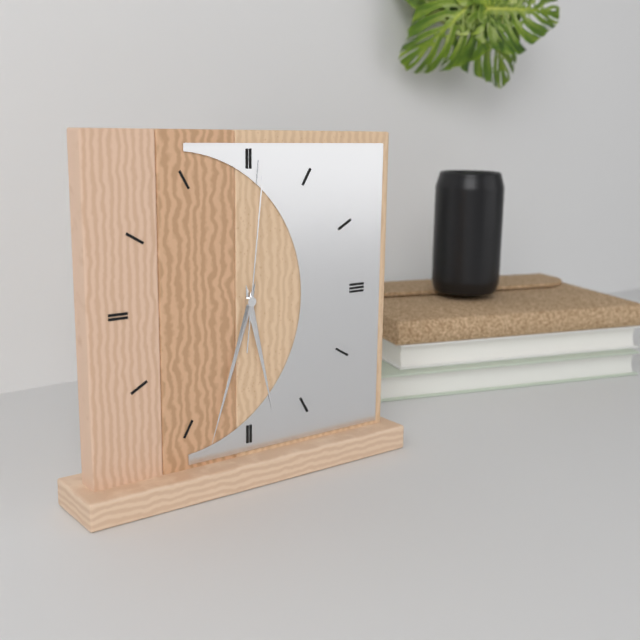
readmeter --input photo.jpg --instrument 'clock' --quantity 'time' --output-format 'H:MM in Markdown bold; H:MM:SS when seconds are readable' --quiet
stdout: **5:33:01**
